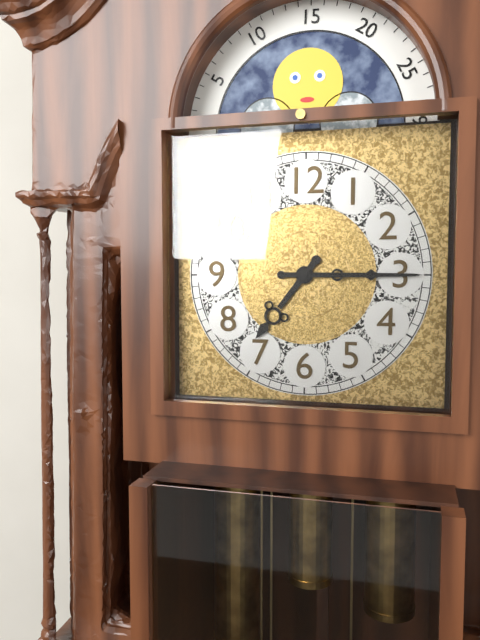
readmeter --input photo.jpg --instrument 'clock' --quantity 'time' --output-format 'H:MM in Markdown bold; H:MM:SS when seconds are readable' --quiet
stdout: **7:15**
